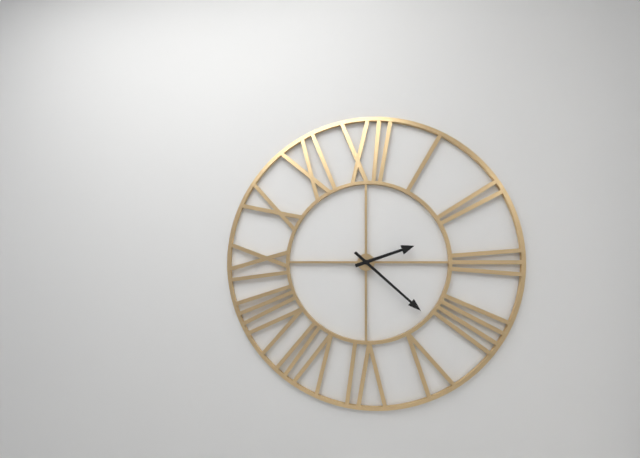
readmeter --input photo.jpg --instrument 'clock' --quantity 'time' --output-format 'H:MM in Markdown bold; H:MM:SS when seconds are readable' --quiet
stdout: **2:22**
